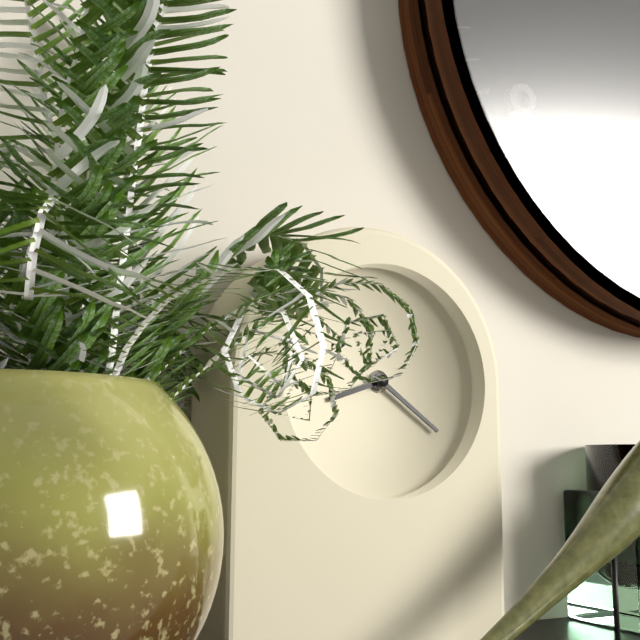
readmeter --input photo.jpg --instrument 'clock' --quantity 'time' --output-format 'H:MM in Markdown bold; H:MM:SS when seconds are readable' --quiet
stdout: **8:21**
